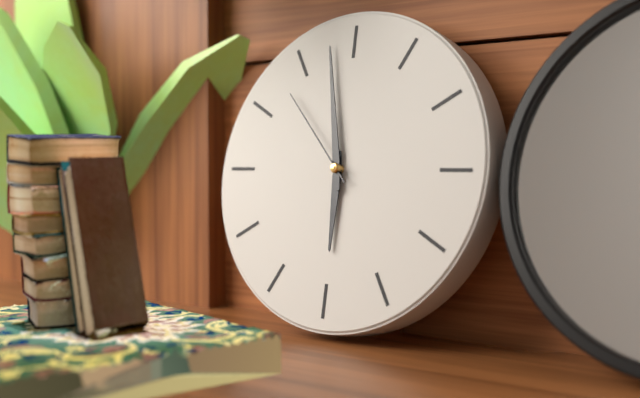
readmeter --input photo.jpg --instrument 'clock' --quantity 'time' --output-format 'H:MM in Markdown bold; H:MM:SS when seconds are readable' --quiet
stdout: **5:58:53**
